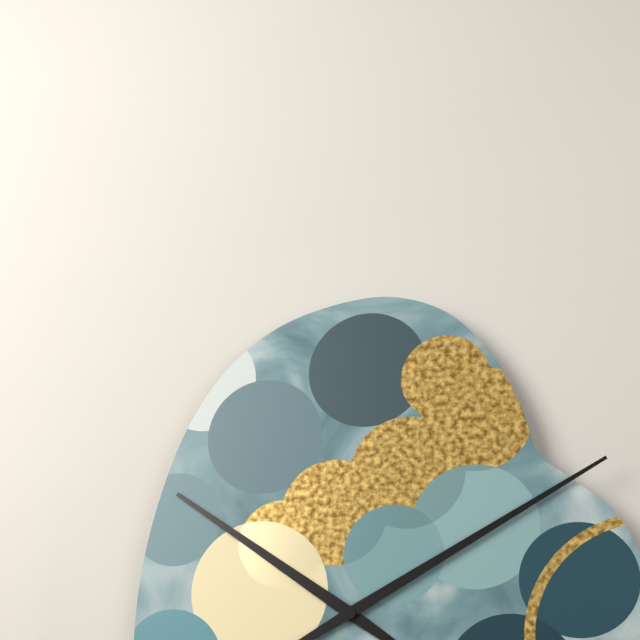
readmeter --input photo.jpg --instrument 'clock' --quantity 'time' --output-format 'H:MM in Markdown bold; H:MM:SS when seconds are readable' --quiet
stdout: **10:10**
